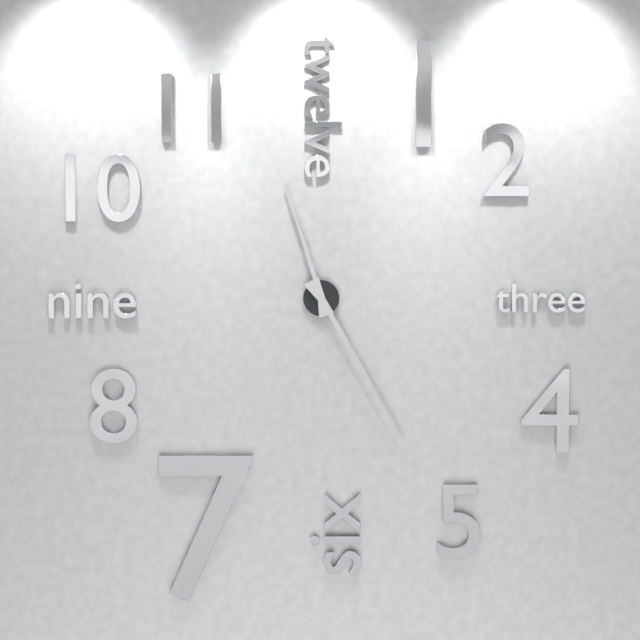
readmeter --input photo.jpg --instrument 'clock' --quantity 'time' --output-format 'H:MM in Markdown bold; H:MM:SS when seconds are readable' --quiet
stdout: **11:25**
